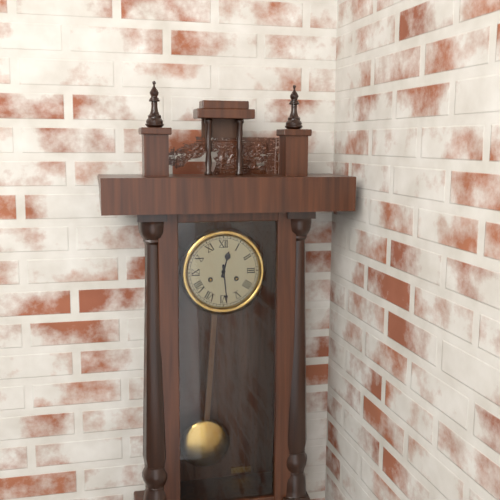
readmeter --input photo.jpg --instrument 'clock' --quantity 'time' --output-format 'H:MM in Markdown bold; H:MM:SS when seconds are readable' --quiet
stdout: **12:29**
